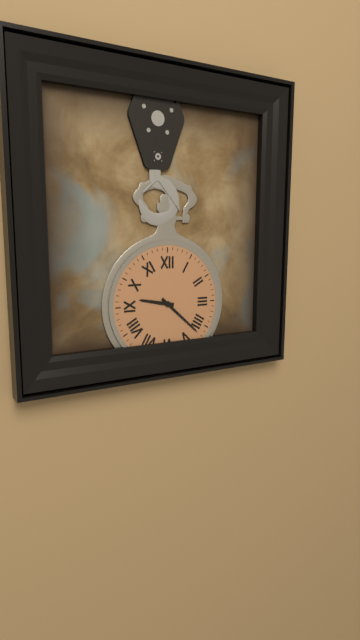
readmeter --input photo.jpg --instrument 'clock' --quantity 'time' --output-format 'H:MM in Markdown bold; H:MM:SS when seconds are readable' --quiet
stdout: **9:22**
